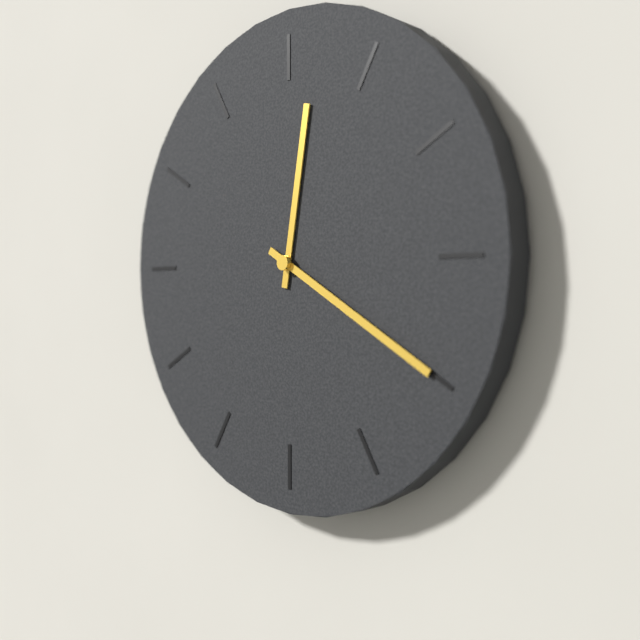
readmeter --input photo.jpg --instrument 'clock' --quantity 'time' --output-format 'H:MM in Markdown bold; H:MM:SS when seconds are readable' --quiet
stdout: **12:20**
